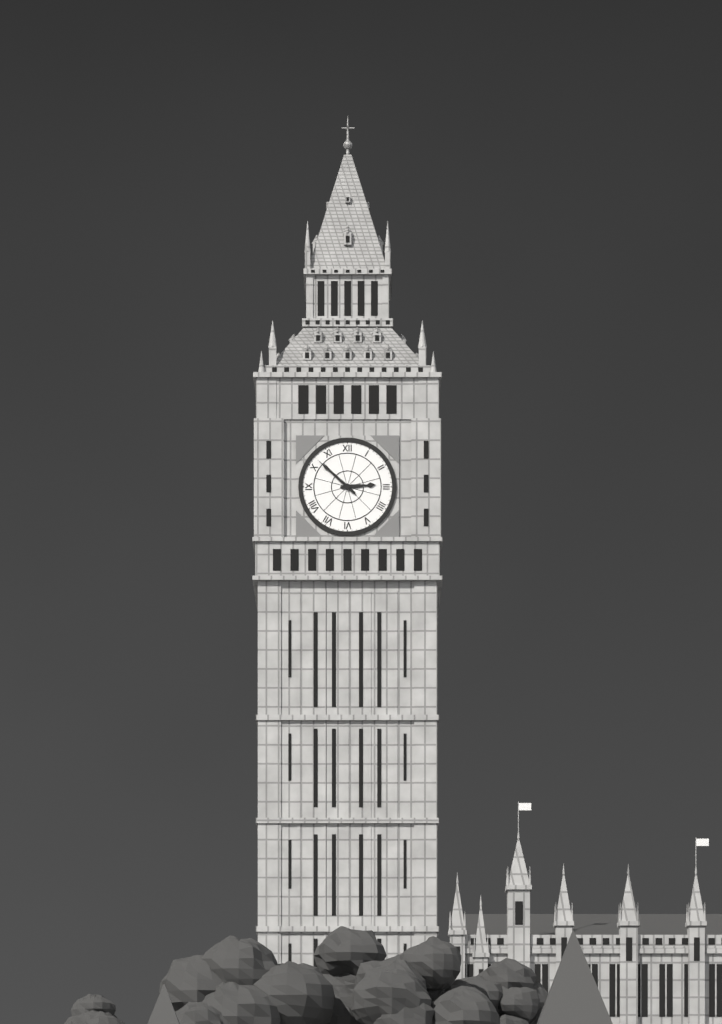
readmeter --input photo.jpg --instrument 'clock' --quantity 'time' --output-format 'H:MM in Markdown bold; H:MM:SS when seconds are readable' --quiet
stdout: **2:52**
